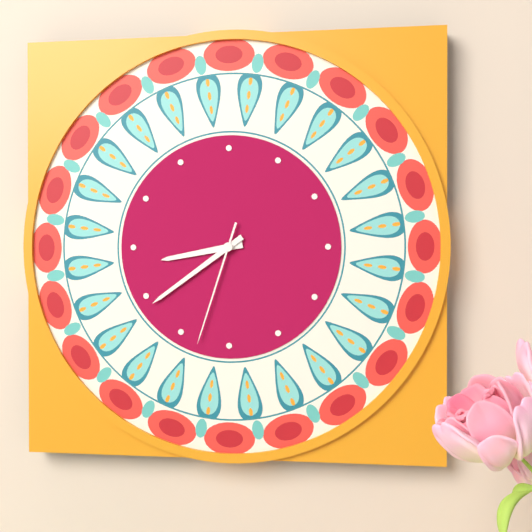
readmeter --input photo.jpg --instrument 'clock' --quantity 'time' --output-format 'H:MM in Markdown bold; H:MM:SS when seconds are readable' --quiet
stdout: **8:39:33**
